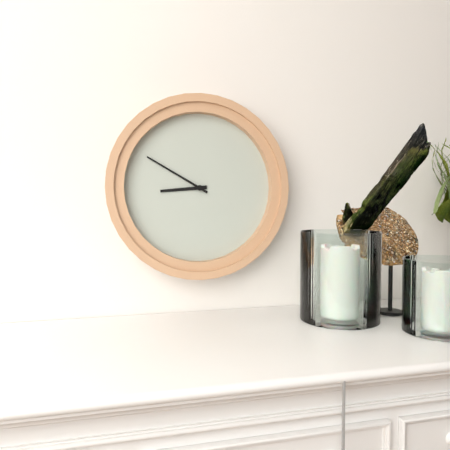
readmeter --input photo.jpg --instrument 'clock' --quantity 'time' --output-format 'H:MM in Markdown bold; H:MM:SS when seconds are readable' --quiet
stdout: **8:50**
